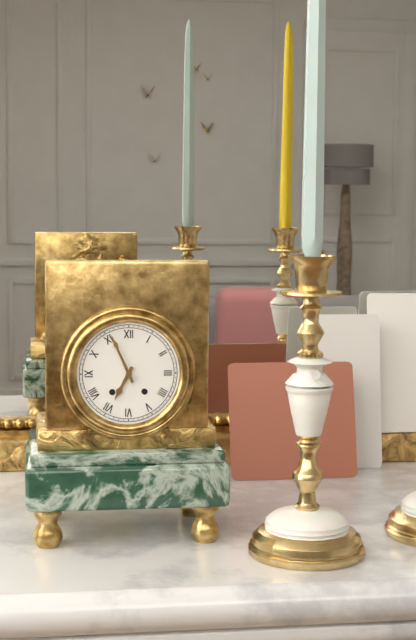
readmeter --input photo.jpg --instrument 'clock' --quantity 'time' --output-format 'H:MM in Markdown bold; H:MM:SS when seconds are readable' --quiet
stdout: **6:56**
